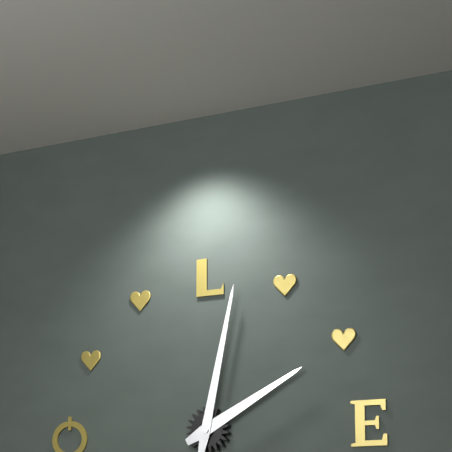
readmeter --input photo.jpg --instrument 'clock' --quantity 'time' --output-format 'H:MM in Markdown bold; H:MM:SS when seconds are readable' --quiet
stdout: **2:02**
